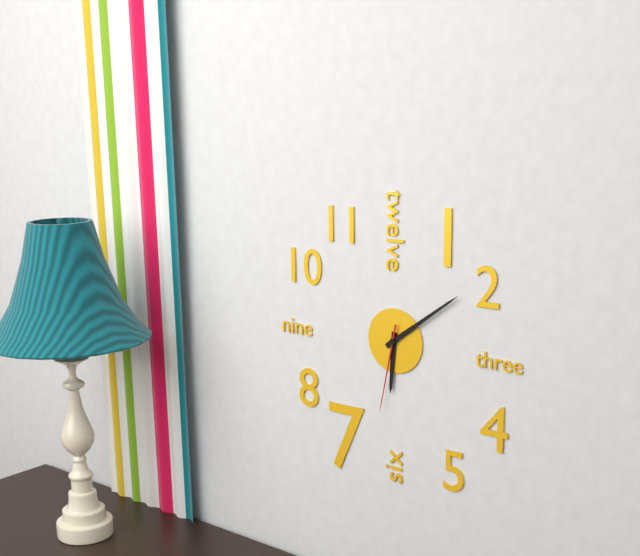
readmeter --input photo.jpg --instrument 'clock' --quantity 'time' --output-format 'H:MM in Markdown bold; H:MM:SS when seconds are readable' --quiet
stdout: **6:09:32**
